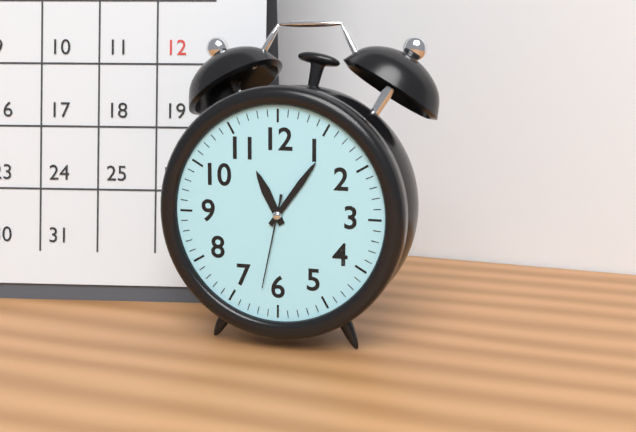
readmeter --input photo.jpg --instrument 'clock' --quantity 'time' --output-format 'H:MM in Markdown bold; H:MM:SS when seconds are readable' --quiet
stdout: **11:06:32**
